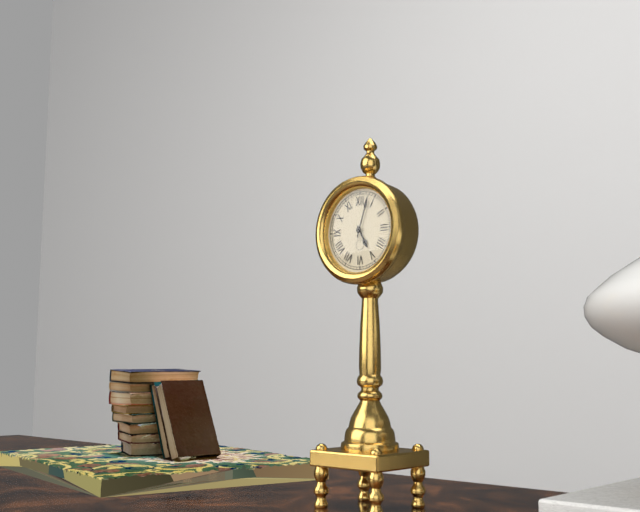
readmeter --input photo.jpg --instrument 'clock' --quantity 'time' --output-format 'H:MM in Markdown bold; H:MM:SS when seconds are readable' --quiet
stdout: **5:03**
